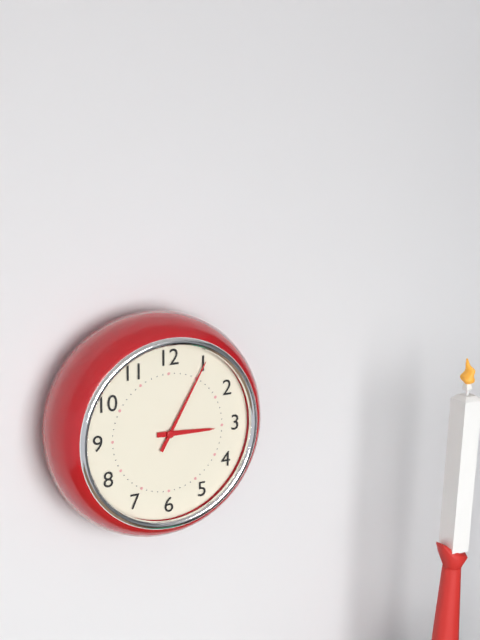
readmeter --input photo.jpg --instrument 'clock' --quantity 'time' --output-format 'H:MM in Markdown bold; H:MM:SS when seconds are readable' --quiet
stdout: **3:05**
